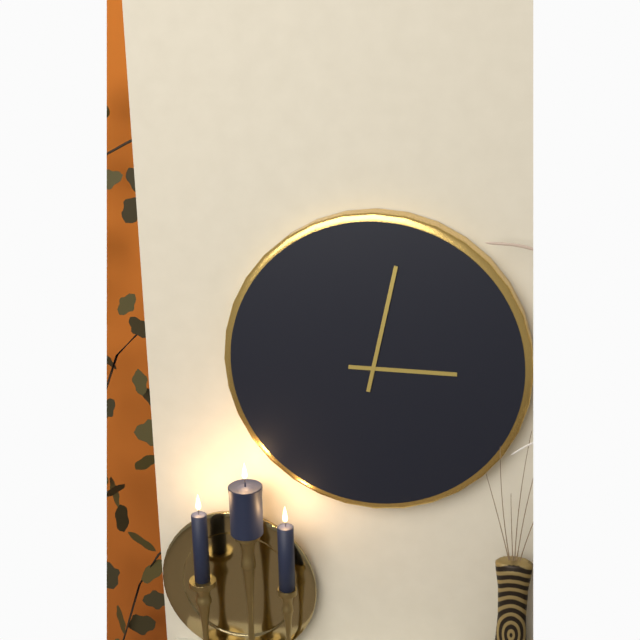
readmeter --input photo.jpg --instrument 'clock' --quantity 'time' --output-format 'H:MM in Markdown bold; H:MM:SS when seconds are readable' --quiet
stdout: **3:02**
